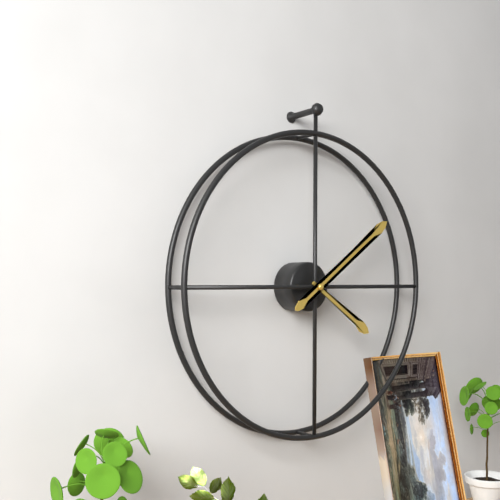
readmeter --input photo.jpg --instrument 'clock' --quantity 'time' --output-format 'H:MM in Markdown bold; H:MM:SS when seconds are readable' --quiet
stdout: **4:09**
